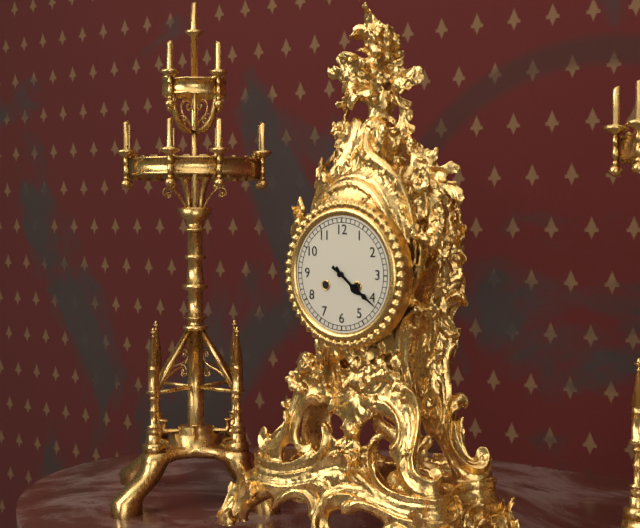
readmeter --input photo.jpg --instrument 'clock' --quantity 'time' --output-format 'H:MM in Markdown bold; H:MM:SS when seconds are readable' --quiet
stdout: **4:21**
